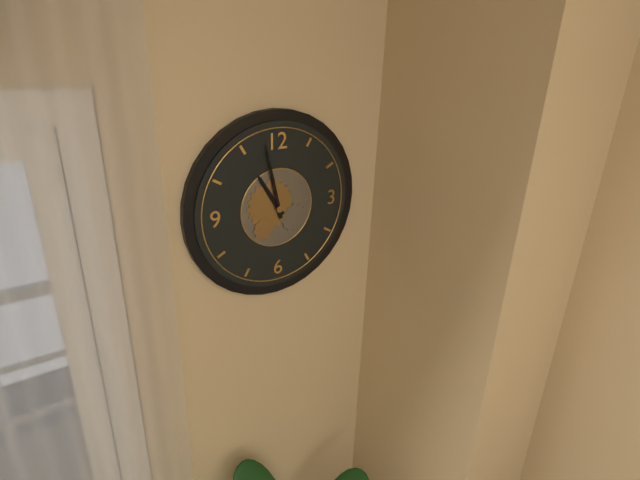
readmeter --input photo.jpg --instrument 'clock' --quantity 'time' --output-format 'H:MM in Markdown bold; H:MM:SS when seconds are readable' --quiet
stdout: **10:58**
